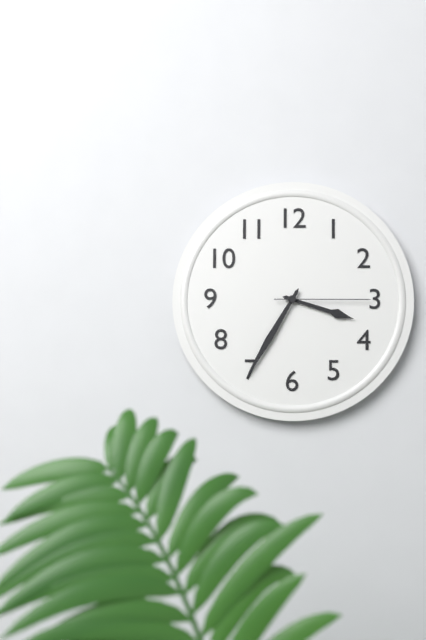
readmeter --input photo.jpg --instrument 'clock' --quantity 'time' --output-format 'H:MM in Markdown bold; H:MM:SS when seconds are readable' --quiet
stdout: **3:35:15**
